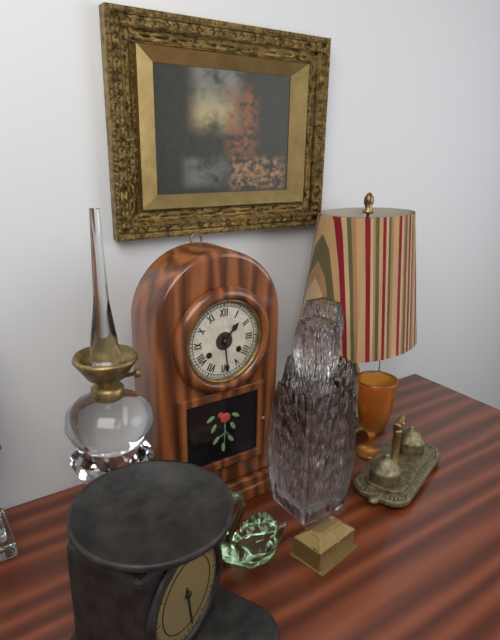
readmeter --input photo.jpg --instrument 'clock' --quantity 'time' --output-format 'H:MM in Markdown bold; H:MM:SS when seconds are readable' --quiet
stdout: **1:29**
